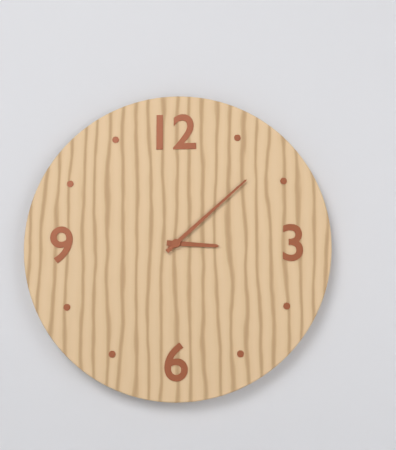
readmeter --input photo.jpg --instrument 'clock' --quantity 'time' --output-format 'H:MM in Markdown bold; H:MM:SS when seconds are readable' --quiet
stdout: **3:08**
